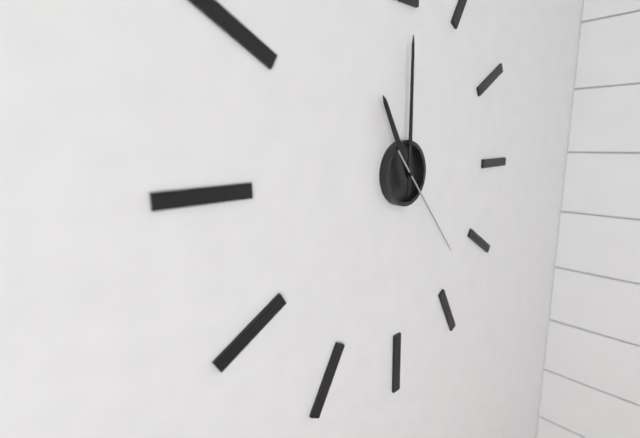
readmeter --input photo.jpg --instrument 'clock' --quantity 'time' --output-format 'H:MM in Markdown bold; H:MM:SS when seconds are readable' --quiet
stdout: **11:00:23**
